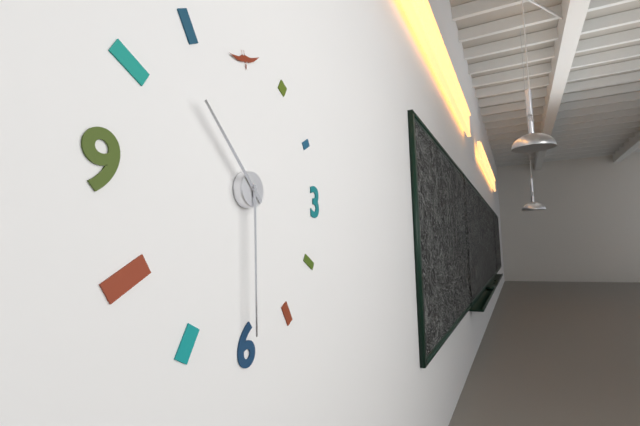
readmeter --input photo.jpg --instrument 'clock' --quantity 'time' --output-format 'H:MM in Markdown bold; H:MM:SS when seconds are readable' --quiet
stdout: **10:30**
